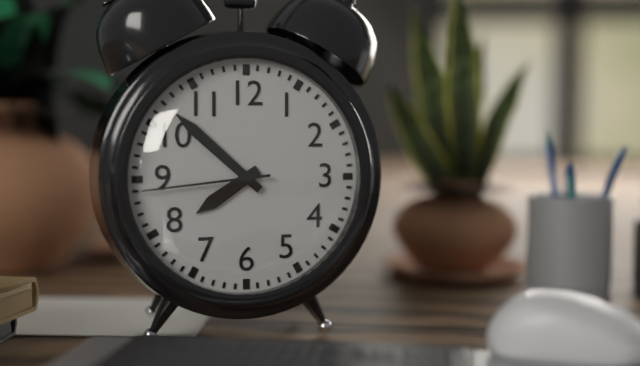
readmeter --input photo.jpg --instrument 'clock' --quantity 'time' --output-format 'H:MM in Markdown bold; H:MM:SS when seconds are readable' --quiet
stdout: **7:52:44**
